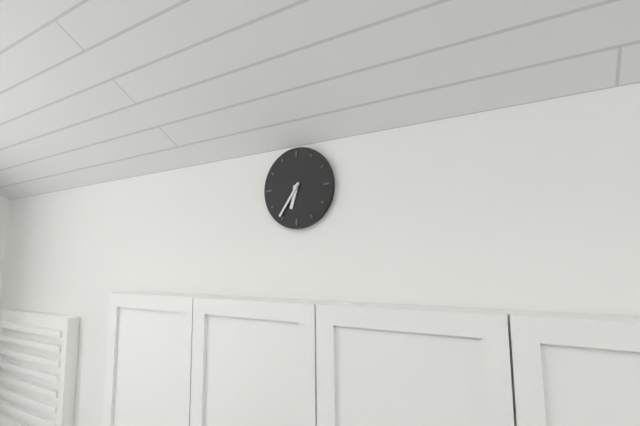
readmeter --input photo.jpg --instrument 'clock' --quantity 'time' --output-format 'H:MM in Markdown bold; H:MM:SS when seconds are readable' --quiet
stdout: **6:36**
